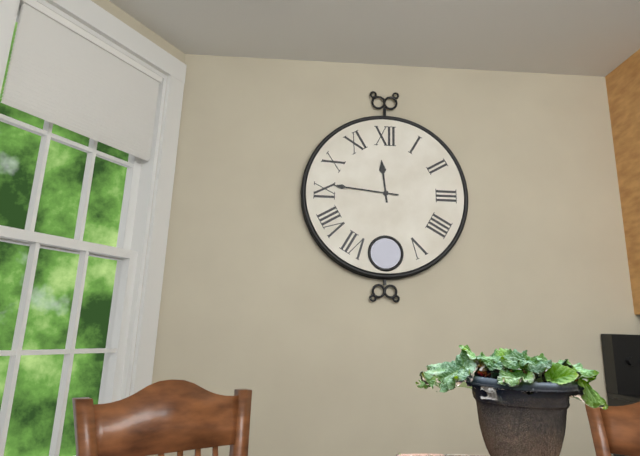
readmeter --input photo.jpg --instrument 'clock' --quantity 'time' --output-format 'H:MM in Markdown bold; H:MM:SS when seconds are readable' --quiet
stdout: **11:46**
